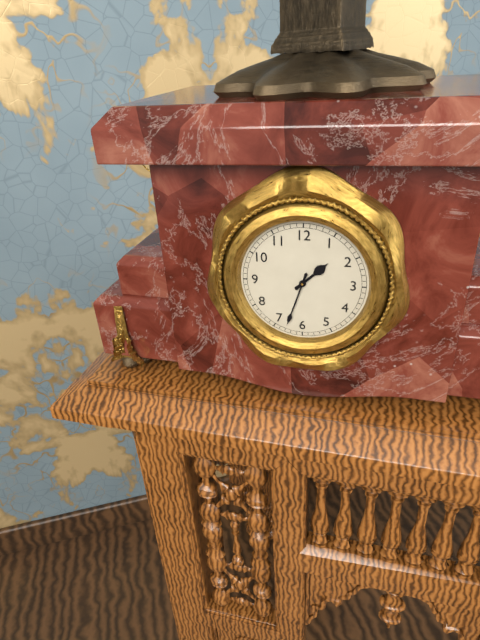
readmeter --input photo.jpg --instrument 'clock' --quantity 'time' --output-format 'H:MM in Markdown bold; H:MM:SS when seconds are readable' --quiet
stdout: **1:33**
